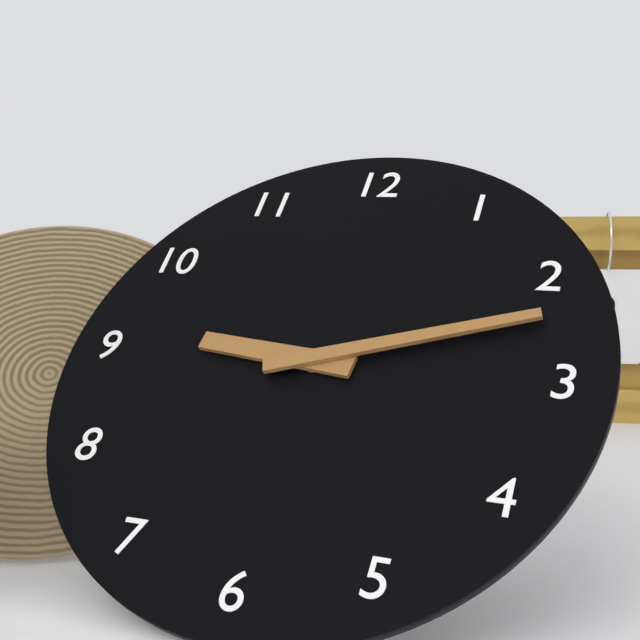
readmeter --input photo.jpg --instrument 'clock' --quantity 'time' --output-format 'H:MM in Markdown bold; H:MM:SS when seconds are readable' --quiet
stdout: **9:12**
